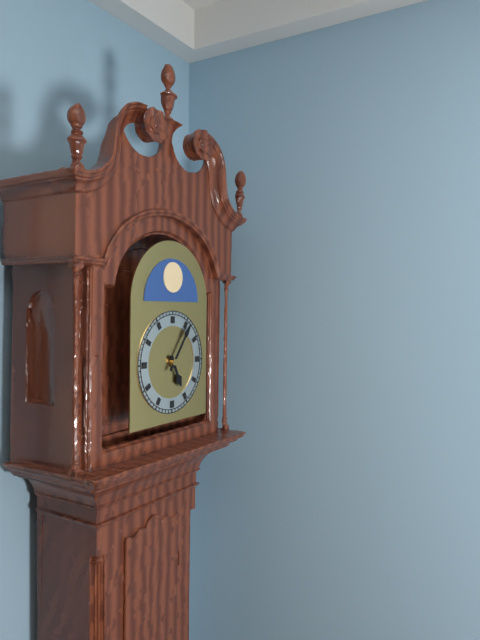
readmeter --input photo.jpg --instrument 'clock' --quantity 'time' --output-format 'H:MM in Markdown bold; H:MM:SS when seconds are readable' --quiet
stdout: **5:06**
